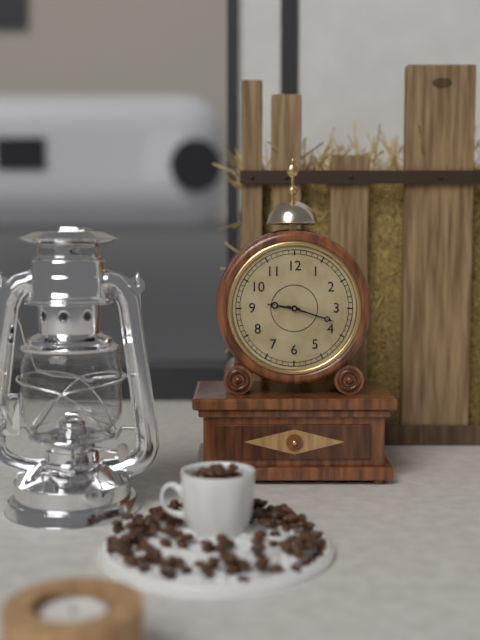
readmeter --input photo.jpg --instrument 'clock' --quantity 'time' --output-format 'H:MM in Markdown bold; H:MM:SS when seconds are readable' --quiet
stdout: **9:18**
